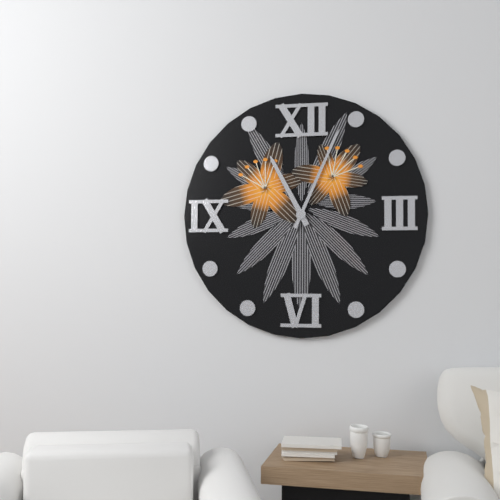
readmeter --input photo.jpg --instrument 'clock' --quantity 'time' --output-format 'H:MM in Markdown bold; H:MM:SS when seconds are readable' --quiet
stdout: **11:04**
